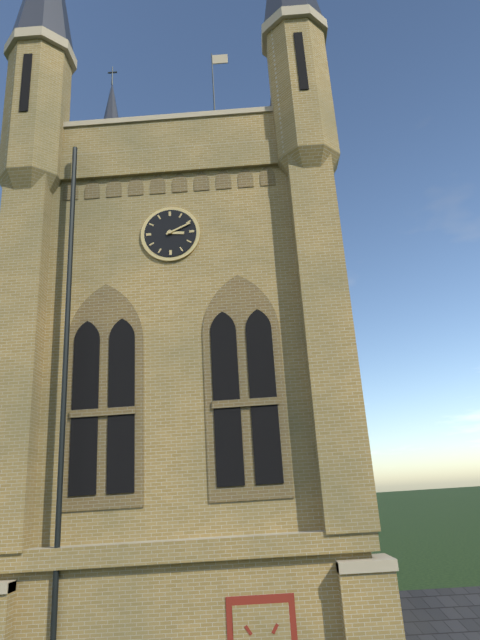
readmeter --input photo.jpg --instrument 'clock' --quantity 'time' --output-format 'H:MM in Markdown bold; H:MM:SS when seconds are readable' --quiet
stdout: **3:11**
